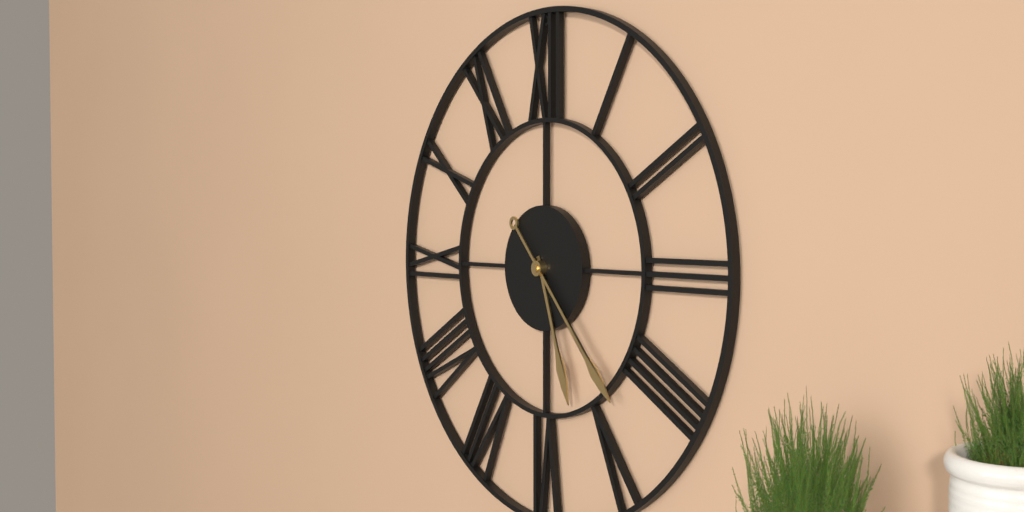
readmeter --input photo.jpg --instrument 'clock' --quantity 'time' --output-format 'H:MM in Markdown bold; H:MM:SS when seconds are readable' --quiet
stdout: **5:23**
